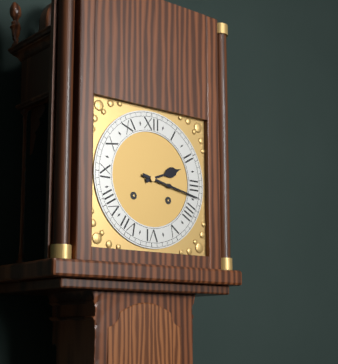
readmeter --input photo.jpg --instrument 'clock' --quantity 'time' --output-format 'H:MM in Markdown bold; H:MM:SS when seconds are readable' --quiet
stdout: **2:17**
